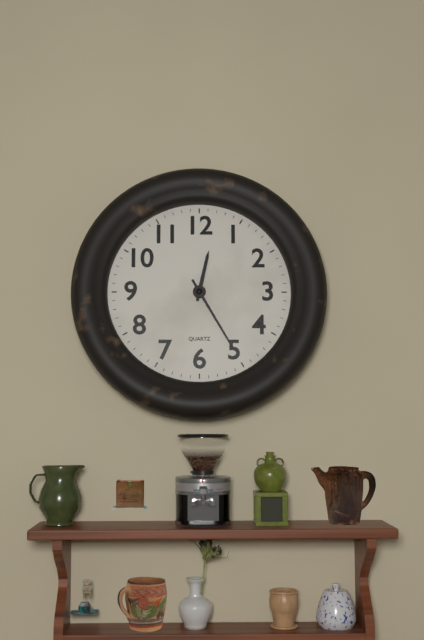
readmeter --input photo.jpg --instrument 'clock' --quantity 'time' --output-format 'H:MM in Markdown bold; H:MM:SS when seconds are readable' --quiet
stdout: **12:25**
